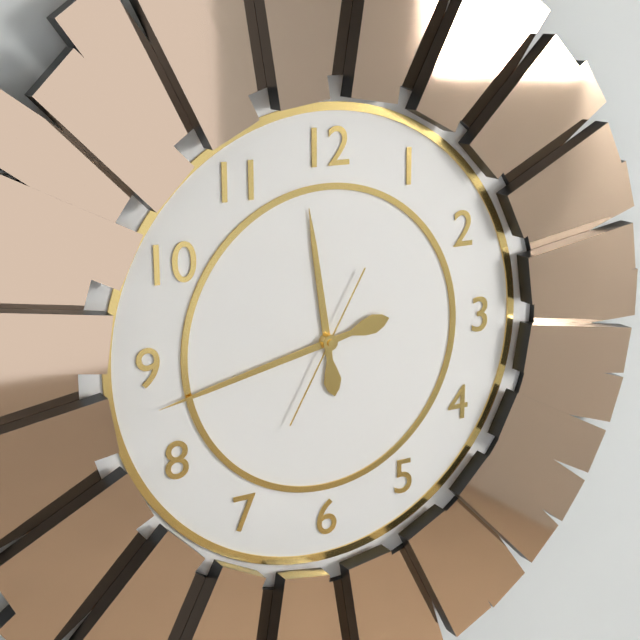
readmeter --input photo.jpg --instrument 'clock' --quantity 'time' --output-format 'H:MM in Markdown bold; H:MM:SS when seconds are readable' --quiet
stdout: **11:43:35**
